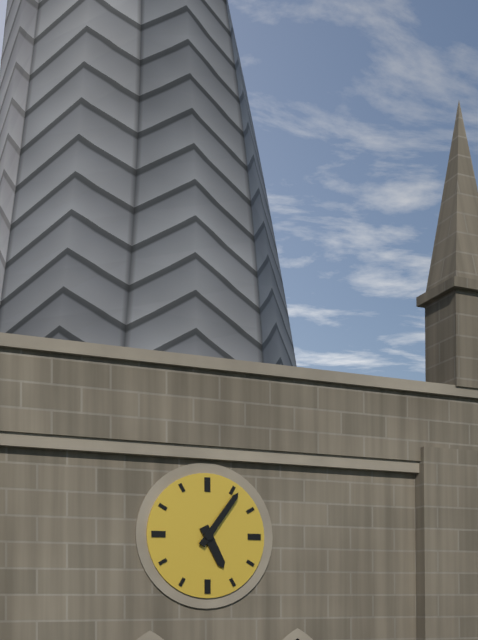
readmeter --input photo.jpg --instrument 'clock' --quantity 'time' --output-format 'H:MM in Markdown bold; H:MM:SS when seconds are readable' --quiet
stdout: **5:06**
